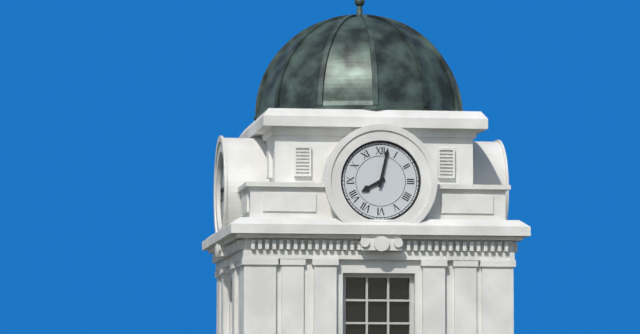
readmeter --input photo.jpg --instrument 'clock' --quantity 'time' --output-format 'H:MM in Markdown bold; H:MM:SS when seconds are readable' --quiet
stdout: **8:02**
